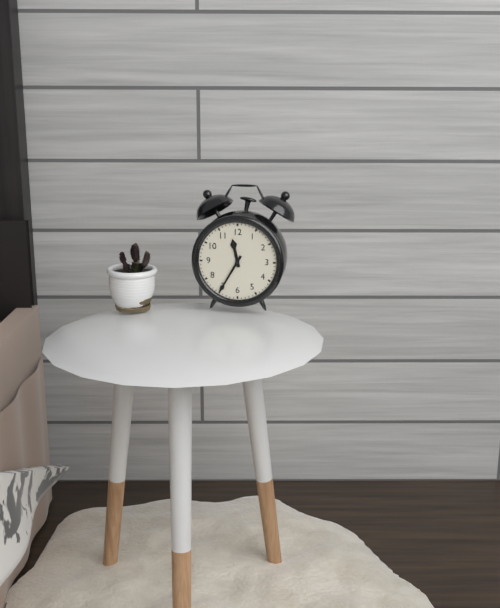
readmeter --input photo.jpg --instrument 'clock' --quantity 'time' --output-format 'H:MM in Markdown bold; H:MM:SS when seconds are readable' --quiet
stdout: **11:35**
